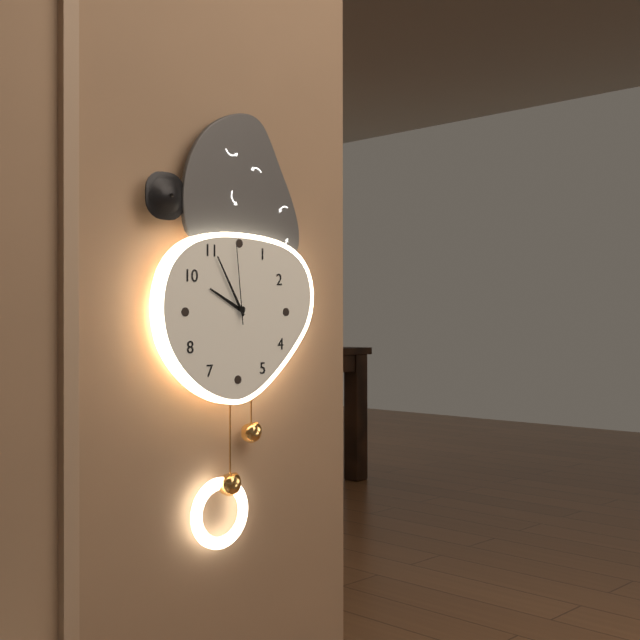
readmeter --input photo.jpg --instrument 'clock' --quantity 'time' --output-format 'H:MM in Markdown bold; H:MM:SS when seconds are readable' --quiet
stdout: **9:55:59**
